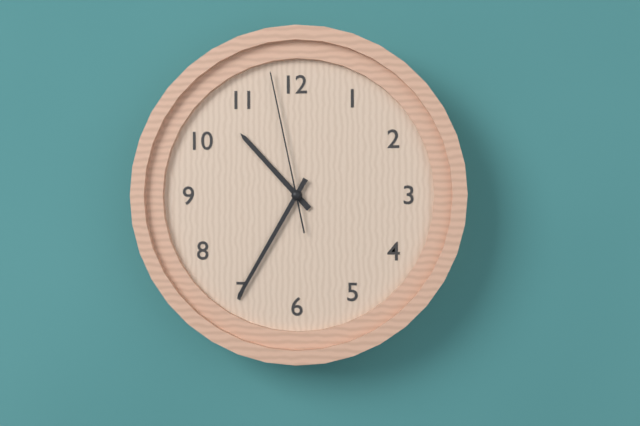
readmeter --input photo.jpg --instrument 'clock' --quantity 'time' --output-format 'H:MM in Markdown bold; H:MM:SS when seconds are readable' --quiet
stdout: **10:35:58**
